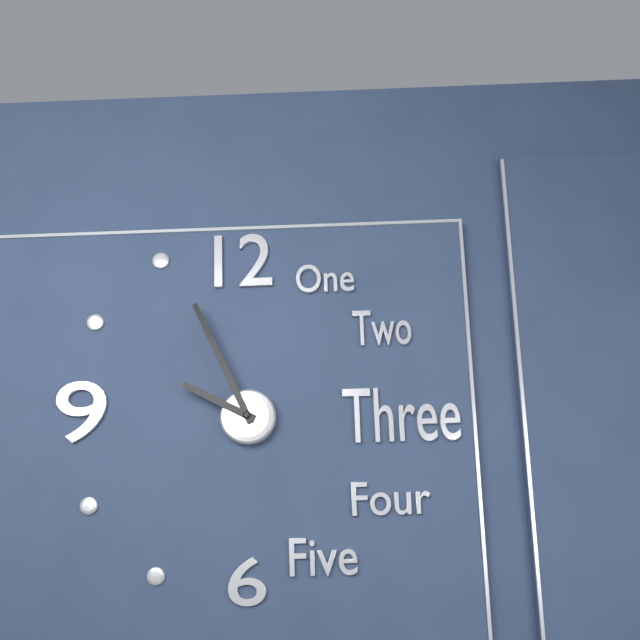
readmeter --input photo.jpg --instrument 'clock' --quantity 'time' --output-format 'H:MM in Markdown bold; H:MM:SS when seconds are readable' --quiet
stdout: **9:56**
